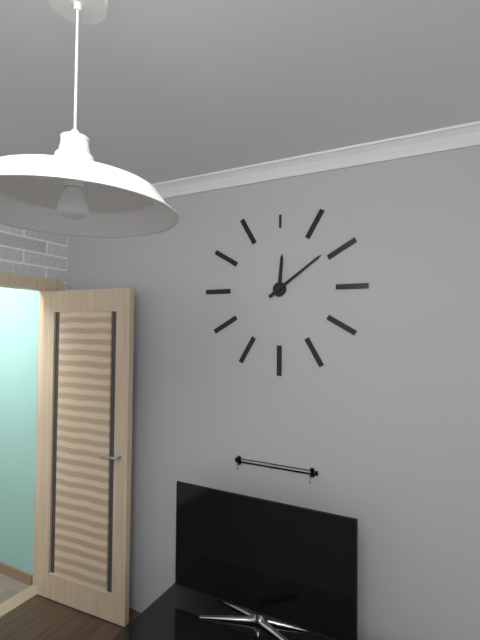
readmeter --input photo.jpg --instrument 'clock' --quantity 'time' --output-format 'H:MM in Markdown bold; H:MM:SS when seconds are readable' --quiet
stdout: **12:09**
